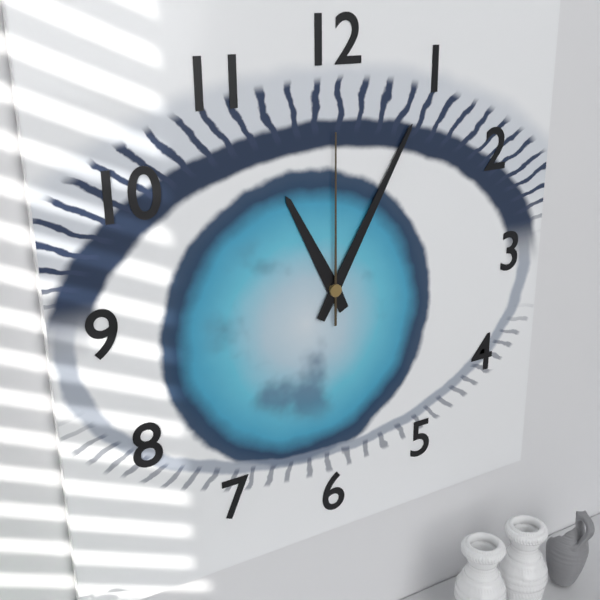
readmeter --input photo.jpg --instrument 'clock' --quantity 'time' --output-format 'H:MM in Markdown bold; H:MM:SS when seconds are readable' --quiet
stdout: **11:05:00**
